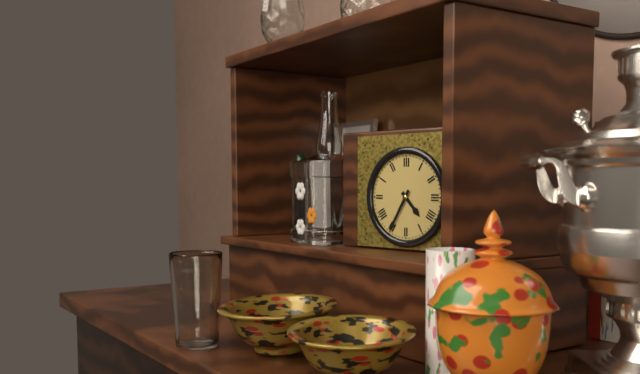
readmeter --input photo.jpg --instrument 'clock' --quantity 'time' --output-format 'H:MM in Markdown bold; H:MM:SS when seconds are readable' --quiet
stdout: **4:35**
